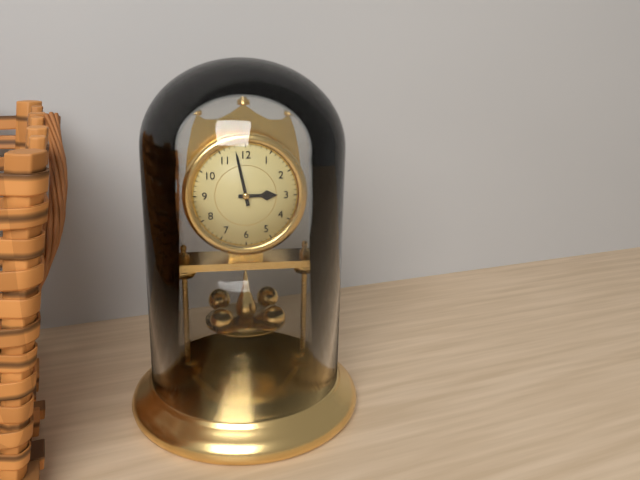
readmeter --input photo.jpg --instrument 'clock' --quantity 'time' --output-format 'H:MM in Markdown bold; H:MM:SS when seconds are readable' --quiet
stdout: **2:58**
